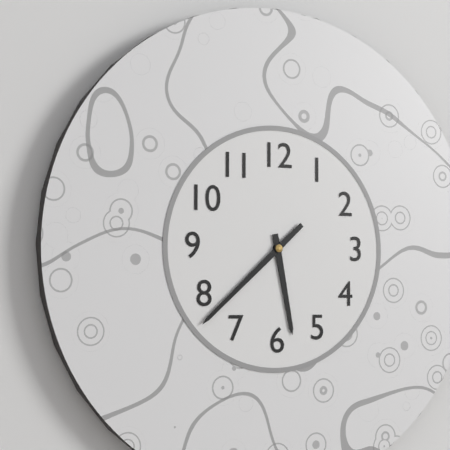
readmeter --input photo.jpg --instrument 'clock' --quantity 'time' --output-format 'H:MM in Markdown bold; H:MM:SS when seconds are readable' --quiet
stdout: **5:38**
